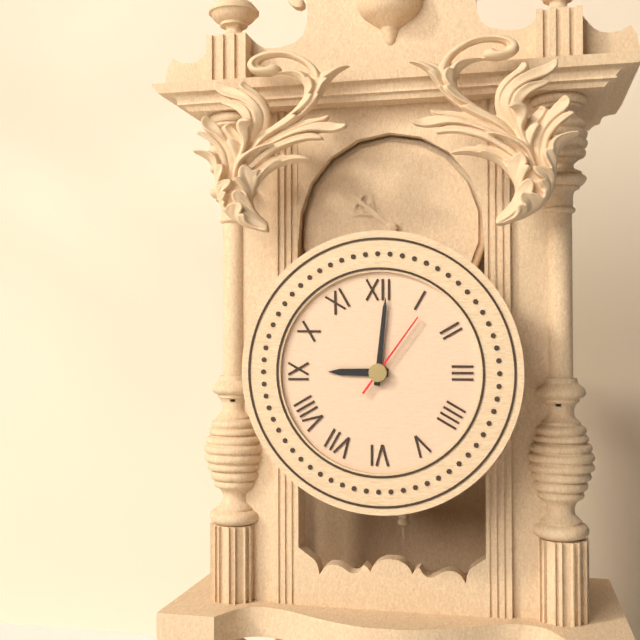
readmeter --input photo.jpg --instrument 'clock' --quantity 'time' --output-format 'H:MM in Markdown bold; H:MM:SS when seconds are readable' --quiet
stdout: **9:01:06**
